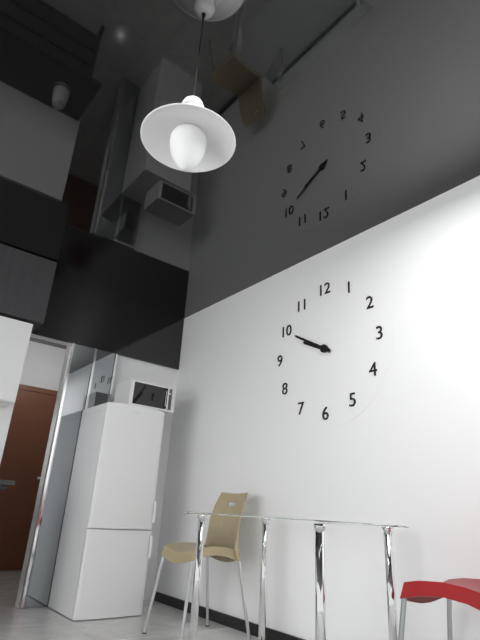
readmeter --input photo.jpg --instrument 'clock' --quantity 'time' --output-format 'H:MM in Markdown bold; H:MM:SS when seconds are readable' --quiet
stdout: **9:50**
